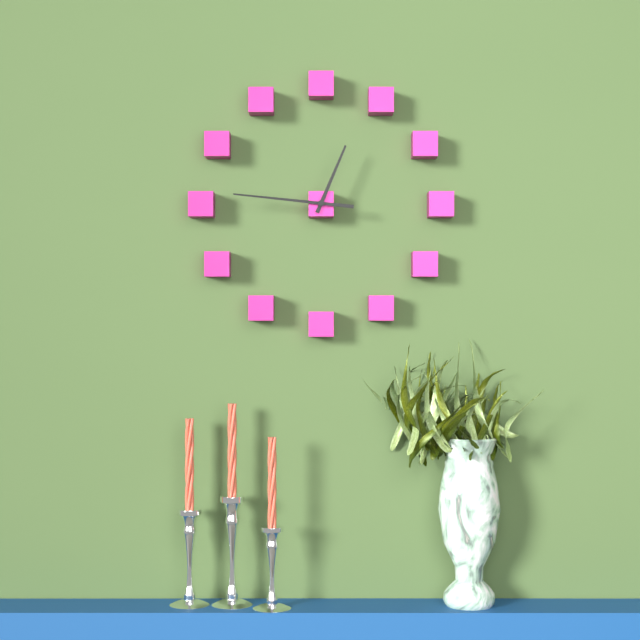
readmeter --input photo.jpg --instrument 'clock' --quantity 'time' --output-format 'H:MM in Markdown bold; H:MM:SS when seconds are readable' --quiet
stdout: **12:46**
